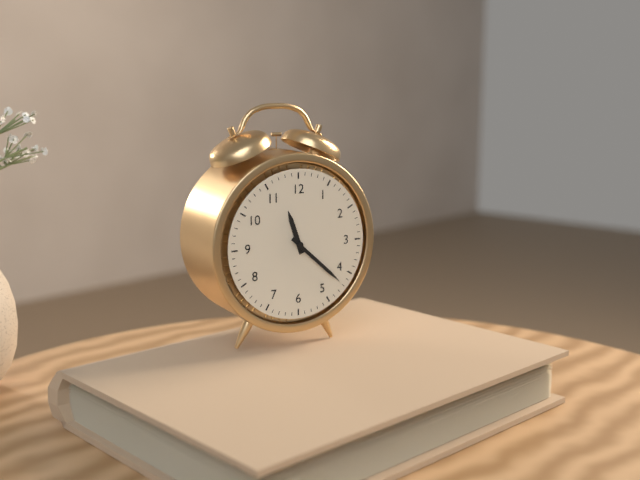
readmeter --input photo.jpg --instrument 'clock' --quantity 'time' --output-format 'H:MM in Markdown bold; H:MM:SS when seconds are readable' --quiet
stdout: **11:22**
